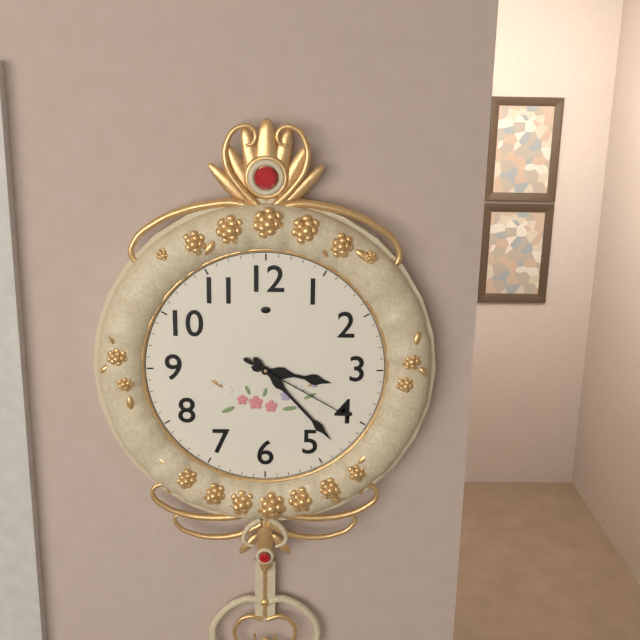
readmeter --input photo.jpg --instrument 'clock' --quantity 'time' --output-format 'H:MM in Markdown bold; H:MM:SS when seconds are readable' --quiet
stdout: **3:23:20**
